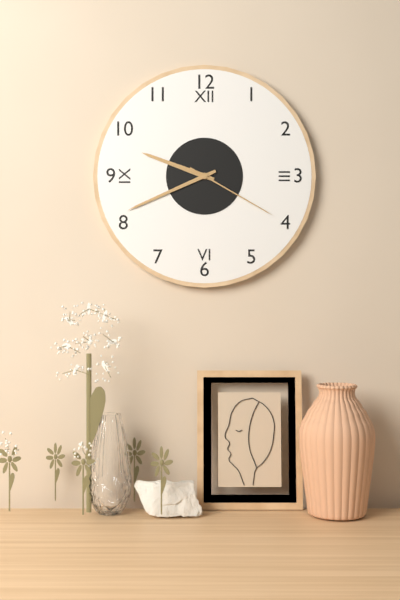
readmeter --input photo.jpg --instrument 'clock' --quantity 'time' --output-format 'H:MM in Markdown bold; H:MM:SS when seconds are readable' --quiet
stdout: **9:41:20**
